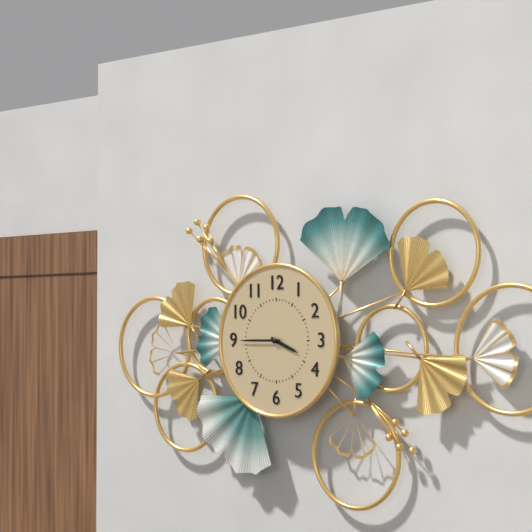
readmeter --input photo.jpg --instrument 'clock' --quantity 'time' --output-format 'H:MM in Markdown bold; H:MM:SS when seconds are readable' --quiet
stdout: **3:45**
